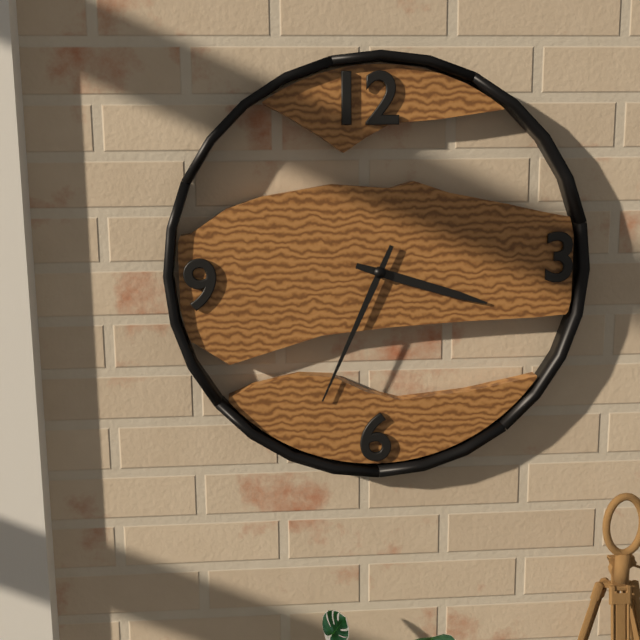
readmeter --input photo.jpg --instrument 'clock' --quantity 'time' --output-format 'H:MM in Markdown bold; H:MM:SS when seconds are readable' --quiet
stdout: **3:34**
